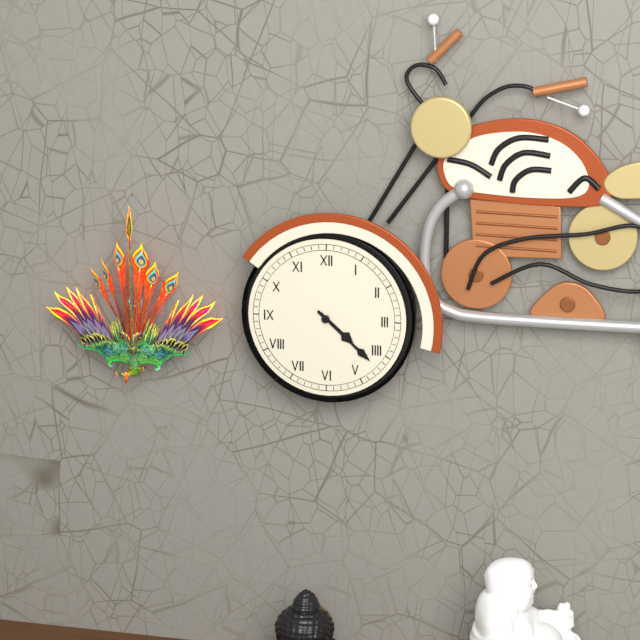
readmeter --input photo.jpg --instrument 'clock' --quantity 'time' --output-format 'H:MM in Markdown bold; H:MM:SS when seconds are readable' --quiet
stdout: **4:22**
